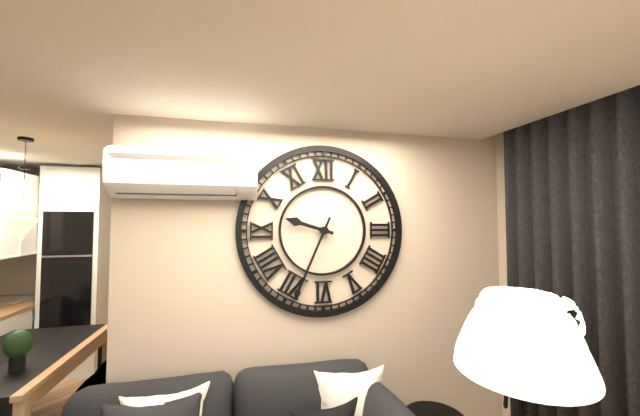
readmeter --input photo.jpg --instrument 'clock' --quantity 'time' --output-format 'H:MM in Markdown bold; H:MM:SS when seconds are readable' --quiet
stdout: **9:34**
